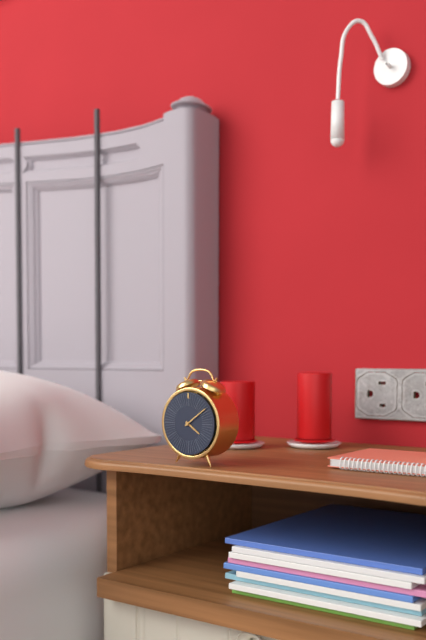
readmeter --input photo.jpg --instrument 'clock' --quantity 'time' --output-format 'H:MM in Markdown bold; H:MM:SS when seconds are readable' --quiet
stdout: **4:09**
